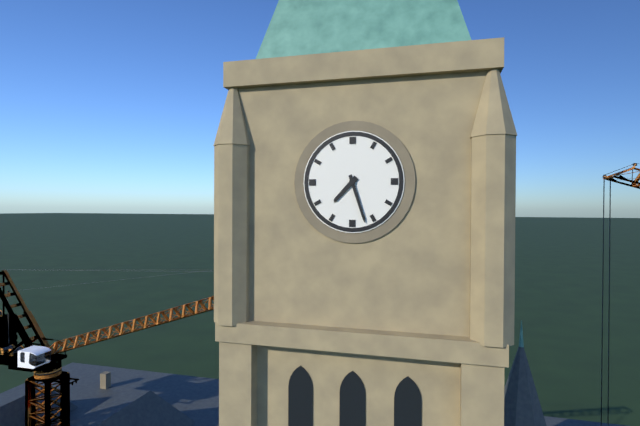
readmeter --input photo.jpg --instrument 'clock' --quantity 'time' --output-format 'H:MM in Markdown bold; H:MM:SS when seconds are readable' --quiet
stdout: **7:27**
